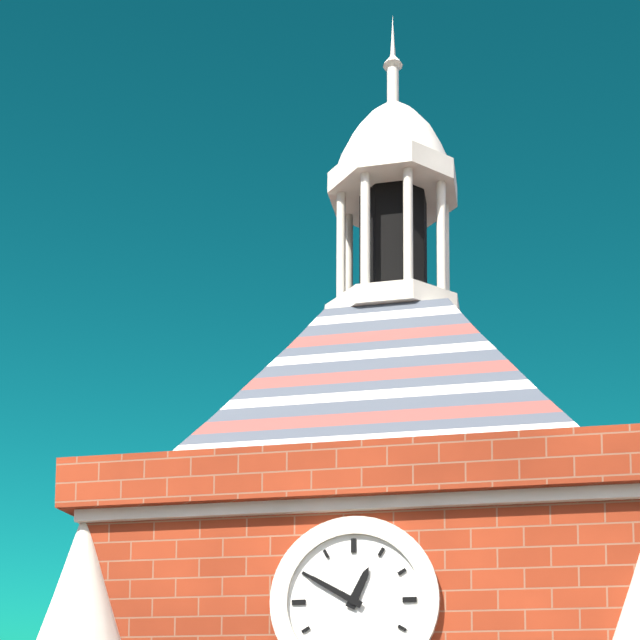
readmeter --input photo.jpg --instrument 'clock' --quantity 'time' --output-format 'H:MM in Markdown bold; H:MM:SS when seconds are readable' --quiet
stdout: **12:50**
